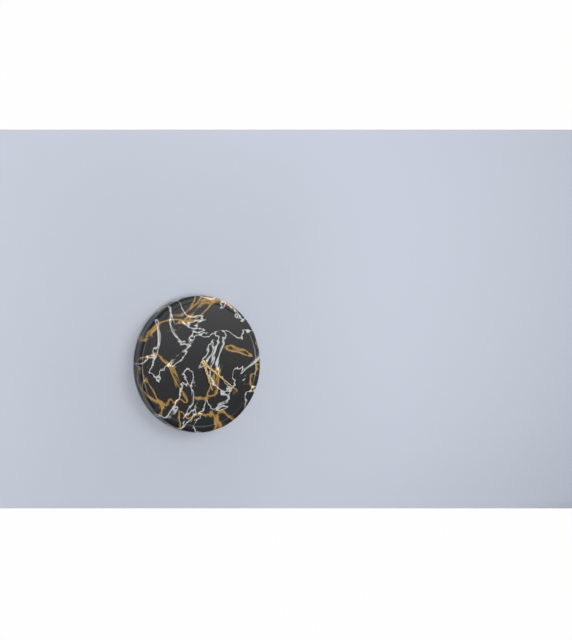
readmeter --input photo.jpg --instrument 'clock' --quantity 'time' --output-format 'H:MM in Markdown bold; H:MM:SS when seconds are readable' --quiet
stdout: **5:21**
